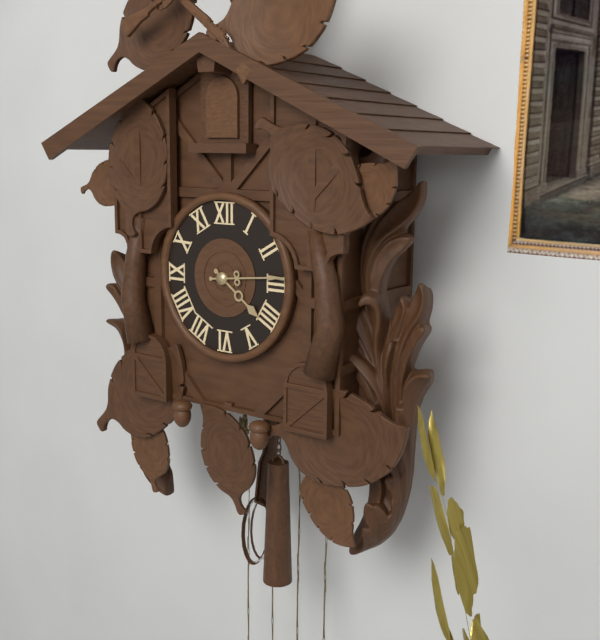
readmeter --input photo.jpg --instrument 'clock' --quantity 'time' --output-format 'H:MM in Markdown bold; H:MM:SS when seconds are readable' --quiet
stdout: **4:14**
